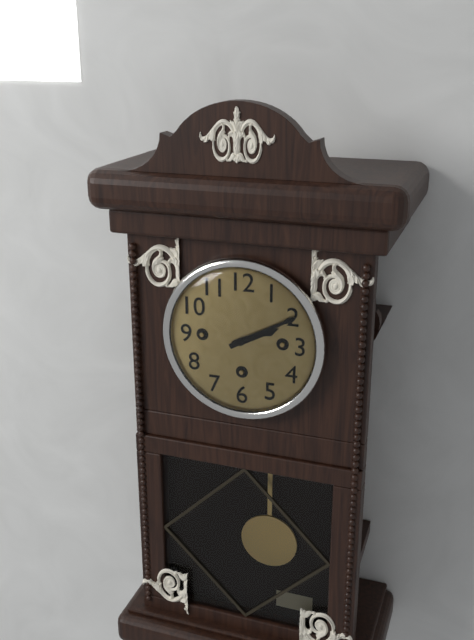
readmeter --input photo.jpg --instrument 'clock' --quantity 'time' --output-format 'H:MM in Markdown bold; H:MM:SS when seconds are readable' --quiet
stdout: **2:10**
